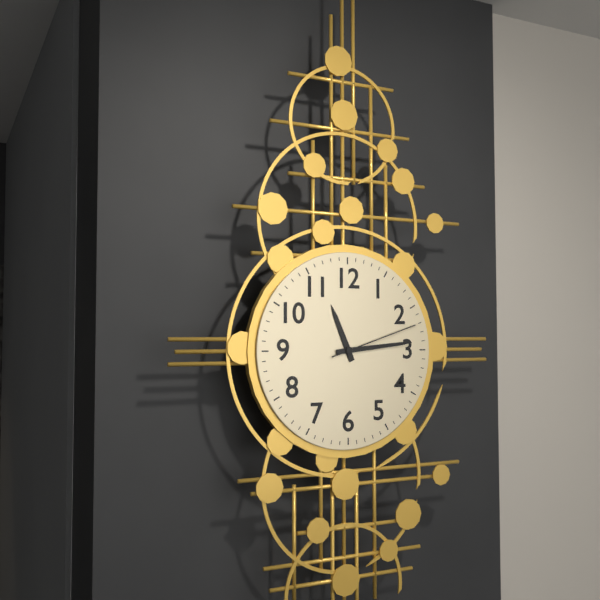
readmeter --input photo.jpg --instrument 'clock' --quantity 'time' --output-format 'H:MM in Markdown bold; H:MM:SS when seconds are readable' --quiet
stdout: **11:14:12**
